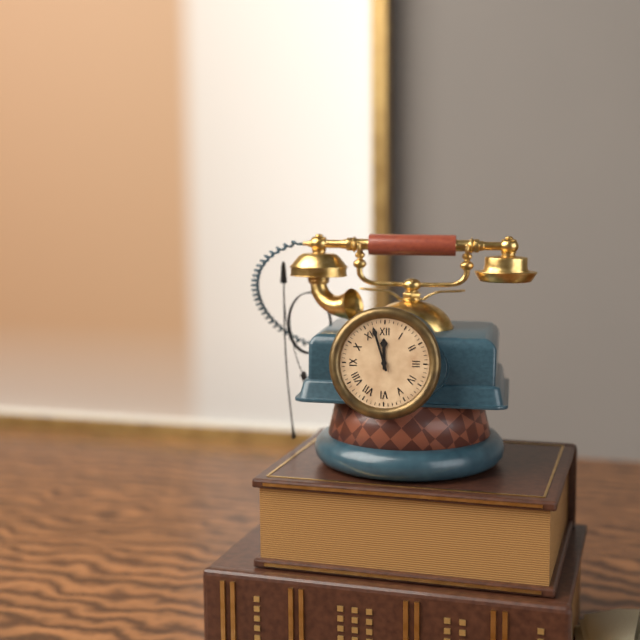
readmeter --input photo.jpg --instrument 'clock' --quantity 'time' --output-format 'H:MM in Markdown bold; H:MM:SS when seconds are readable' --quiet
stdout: **11:57**
